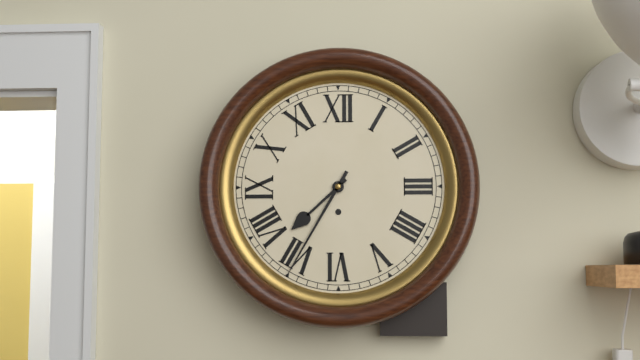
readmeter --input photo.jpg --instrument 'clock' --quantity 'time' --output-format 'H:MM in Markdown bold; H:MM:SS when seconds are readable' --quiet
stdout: **7:35**
